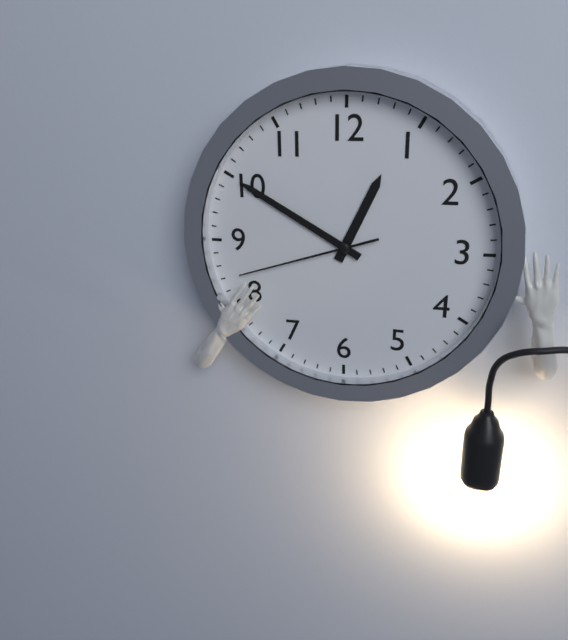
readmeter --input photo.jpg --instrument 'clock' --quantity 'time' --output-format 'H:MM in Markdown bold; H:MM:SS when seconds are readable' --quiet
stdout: **12:50:42**
